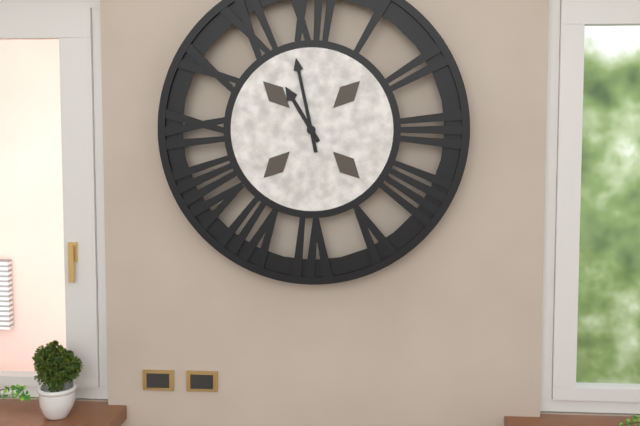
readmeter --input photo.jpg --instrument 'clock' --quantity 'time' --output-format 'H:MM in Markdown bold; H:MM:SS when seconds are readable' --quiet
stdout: **10:58**
